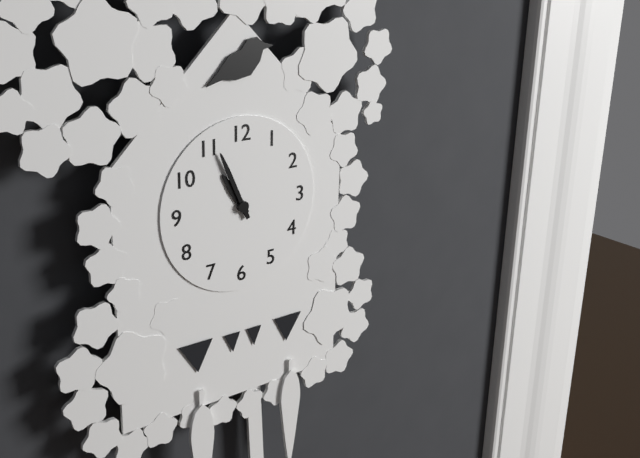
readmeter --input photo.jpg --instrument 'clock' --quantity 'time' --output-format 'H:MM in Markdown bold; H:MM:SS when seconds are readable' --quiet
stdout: **10:56**
